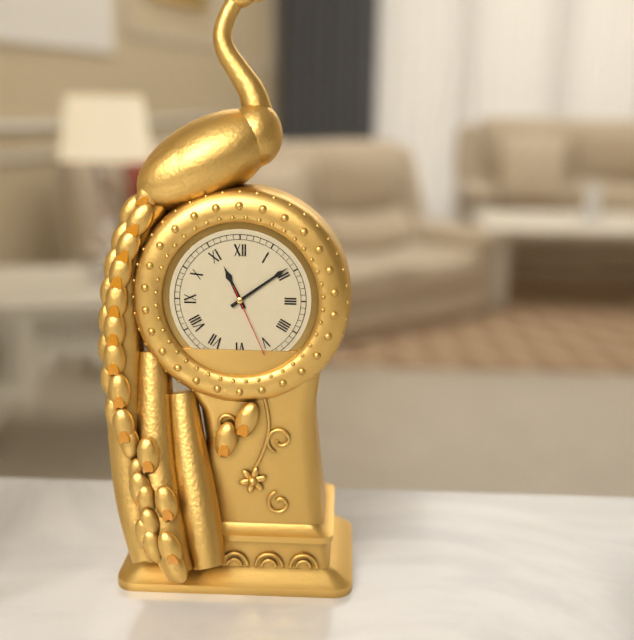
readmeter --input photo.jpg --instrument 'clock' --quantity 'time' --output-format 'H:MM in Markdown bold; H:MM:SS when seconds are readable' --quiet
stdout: **11:09:26**
